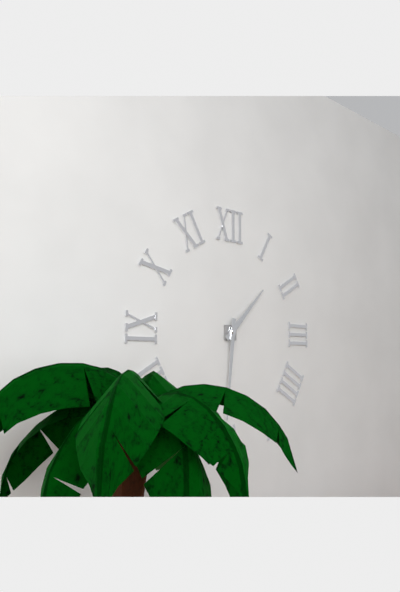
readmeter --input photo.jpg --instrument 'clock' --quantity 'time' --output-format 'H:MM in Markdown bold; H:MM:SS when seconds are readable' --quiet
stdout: **1:31**
